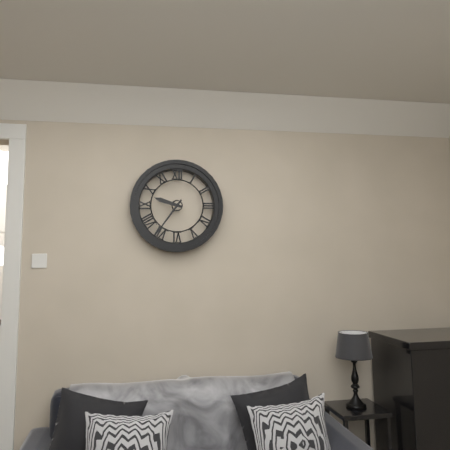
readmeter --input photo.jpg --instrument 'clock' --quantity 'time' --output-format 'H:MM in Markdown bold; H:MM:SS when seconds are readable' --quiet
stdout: **9:36**
